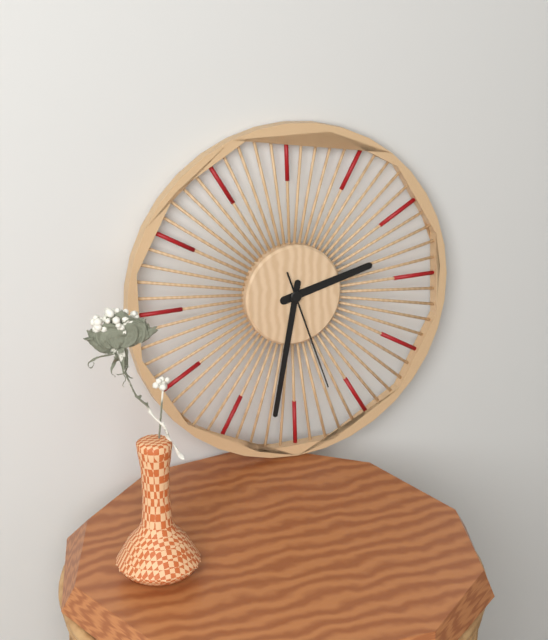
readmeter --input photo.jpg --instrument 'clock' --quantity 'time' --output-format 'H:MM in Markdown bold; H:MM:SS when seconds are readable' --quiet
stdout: **2:32:27**
